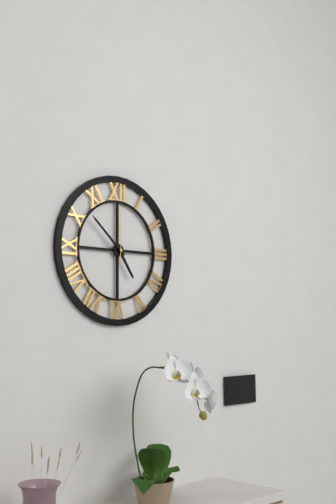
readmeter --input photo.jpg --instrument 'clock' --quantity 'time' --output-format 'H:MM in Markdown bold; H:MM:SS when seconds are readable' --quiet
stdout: **4:52:00**
